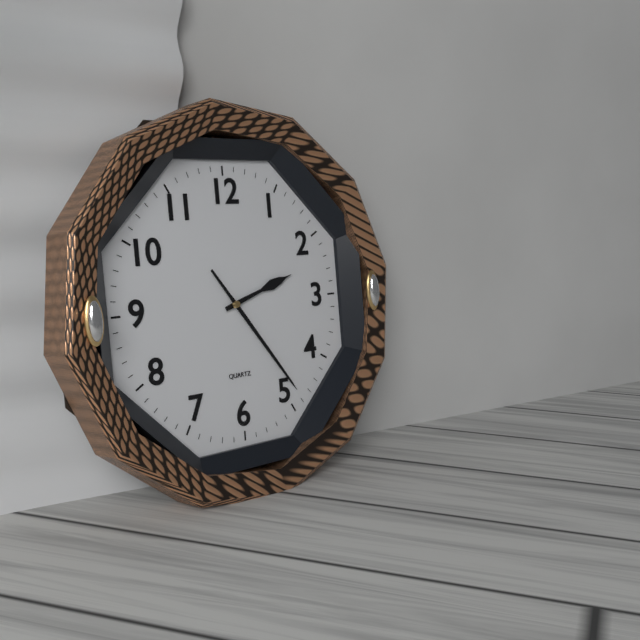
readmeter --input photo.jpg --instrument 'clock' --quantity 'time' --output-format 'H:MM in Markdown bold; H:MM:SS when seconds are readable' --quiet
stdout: **2:24**
